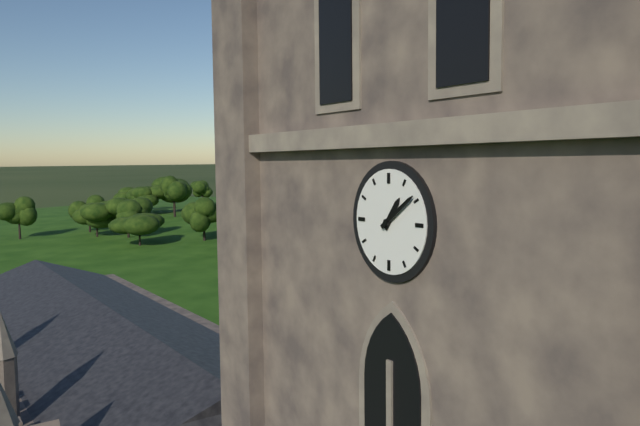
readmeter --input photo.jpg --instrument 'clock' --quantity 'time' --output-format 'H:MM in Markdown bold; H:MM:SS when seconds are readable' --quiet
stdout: **1:09**
